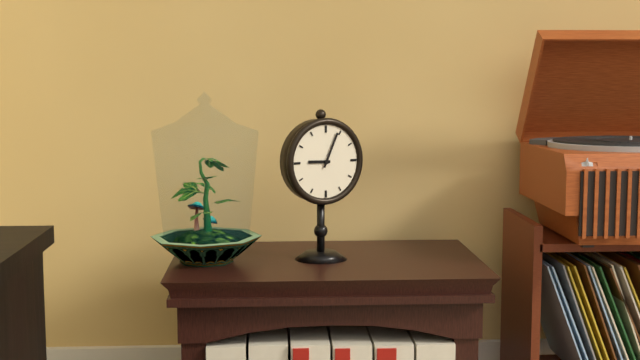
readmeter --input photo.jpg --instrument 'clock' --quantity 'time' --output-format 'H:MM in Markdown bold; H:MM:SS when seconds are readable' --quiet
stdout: **9:04**
